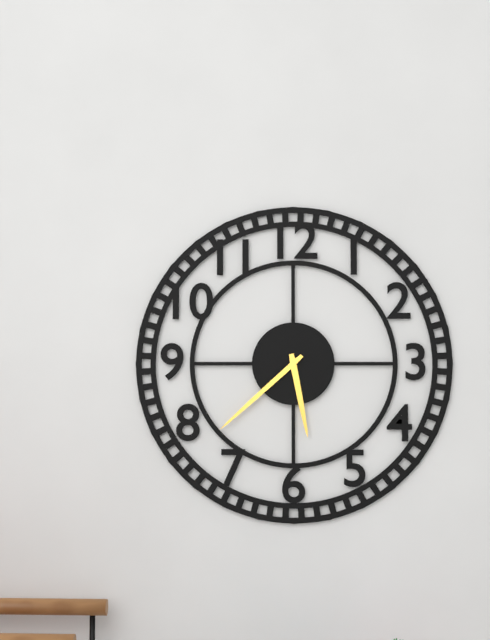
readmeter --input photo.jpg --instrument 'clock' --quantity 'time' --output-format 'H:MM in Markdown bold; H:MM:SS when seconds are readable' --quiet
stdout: **5:38**
